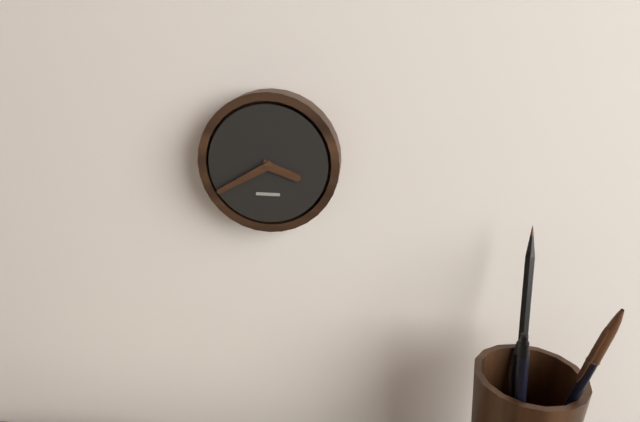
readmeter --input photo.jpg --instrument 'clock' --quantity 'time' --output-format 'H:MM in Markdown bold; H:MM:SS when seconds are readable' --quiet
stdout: **3:40**
